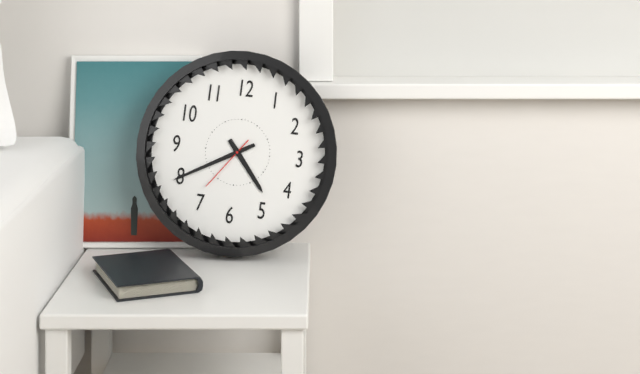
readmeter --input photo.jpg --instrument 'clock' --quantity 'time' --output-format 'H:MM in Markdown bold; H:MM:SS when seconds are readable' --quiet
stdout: **4:40:36**
